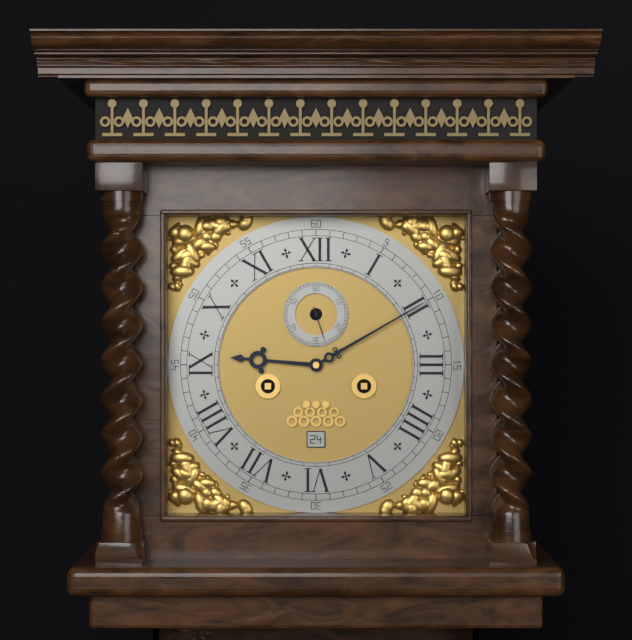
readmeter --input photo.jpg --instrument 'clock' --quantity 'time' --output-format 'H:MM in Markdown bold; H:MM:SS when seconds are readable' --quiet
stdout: **9:10**
